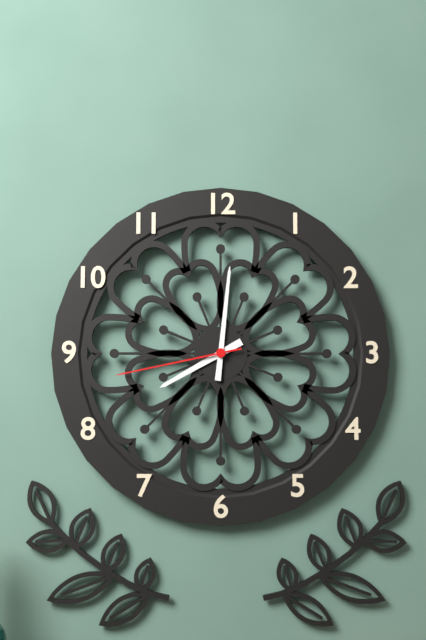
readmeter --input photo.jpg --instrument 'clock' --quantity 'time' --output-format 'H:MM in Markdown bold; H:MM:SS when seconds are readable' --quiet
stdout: **8:01:43**
